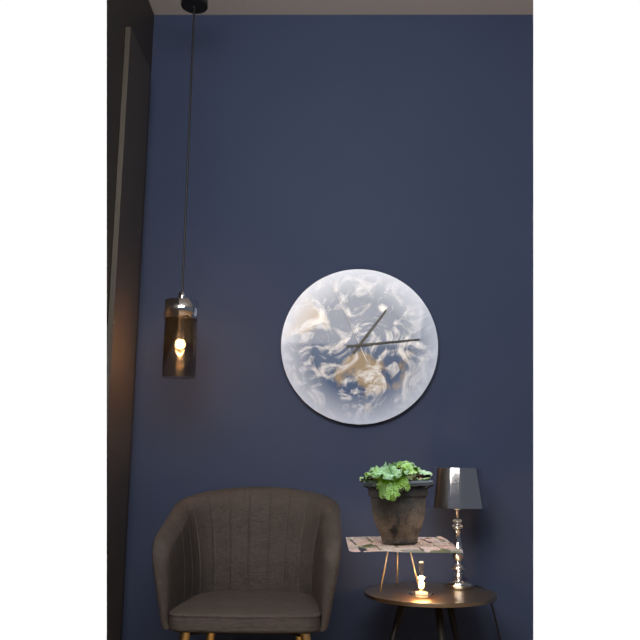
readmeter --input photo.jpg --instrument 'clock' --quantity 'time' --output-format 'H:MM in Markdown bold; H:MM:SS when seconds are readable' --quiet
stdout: **1:14:56**
